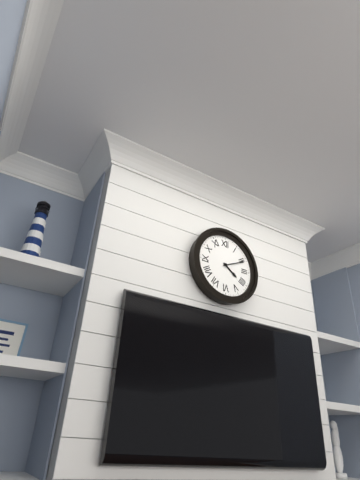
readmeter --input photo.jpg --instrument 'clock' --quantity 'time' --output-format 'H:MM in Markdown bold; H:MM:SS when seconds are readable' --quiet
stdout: **4:11**
